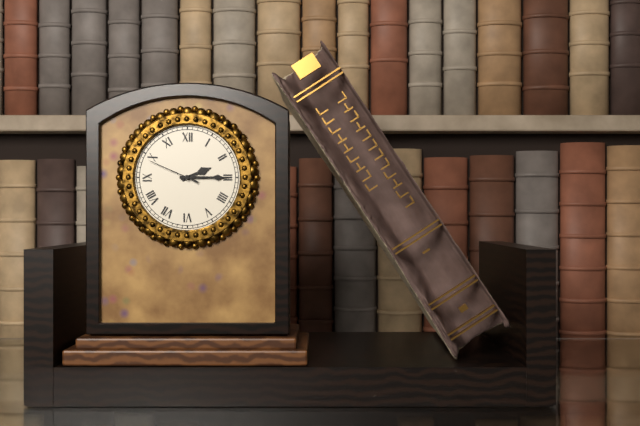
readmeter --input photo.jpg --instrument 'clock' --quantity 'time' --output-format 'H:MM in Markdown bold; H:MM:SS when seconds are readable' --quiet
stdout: **2:15:49**
